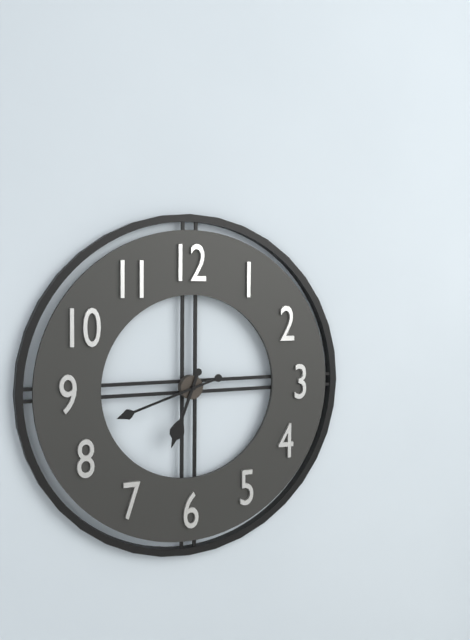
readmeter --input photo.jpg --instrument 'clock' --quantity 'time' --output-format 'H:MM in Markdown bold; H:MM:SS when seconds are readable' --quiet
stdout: **6:42**
